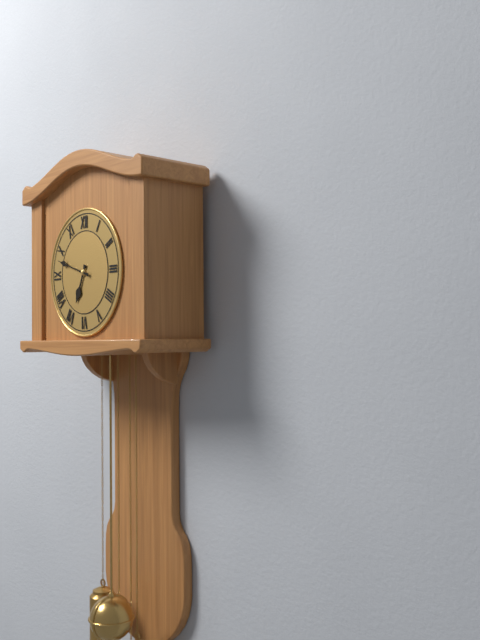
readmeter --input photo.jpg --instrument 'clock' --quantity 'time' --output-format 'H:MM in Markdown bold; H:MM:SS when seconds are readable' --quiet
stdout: **6:48**
